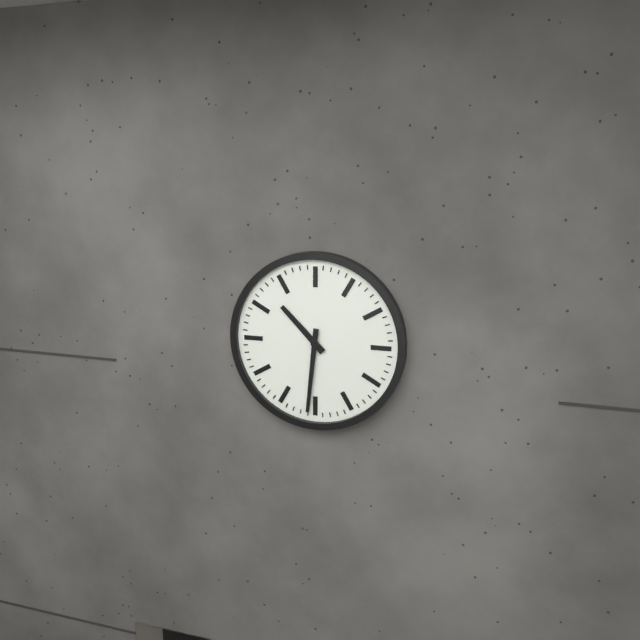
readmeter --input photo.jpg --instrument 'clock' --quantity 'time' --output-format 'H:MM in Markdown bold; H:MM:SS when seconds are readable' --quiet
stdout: **10:31**
